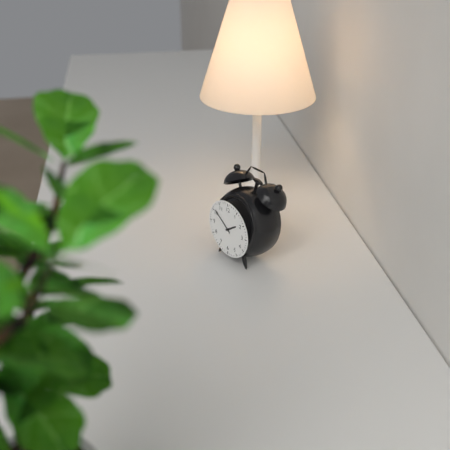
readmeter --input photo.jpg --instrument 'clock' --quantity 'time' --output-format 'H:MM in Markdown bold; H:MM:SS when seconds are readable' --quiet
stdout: **1:51**
